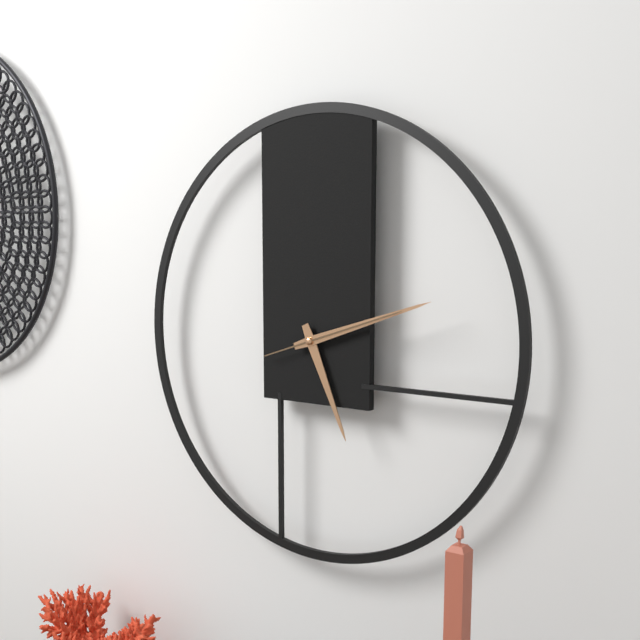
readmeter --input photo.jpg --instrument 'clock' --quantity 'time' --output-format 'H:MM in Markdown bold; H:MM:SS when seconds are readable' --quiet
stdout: **5:12:12**
